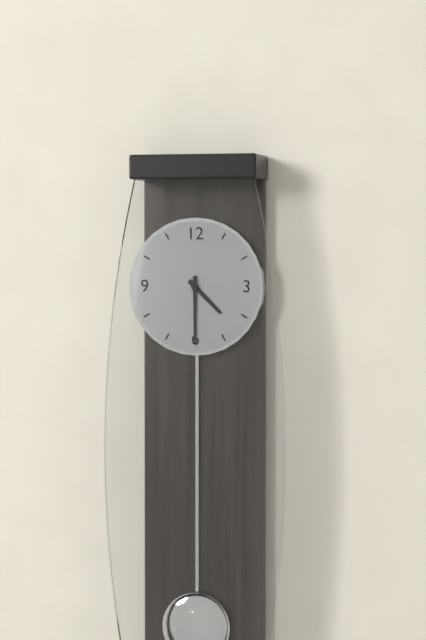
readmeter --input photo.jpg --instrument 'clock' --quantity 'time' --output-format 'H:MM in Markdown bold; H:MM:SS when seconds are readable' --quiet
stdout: **4:30**
